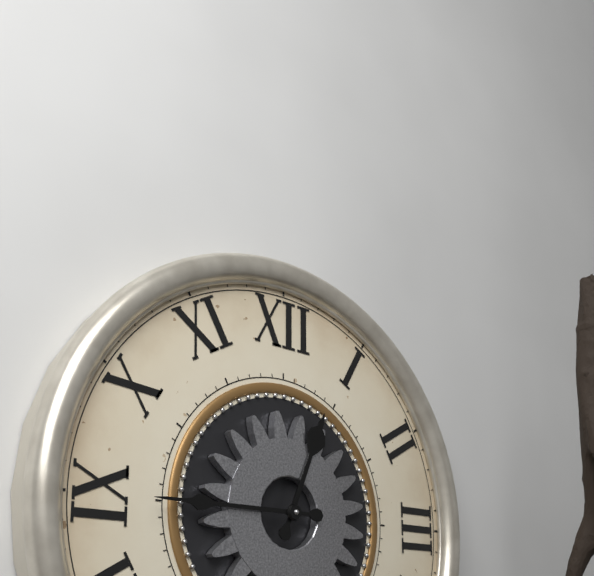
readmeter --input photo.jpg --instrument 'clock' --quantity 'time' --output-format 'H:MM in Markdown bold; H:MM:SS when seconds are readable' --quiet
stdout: **12:45**
